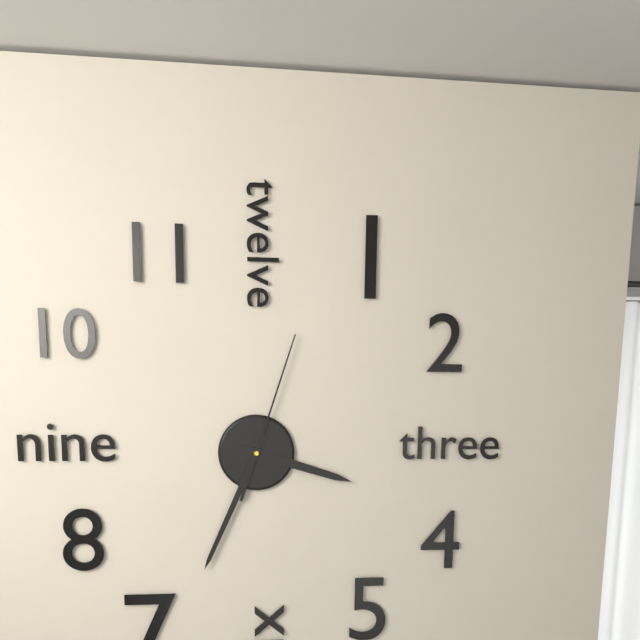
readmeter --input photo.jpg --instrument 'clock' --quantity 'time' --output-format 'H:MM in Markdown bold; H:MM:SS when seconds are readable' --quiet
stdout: **3:34:03**
